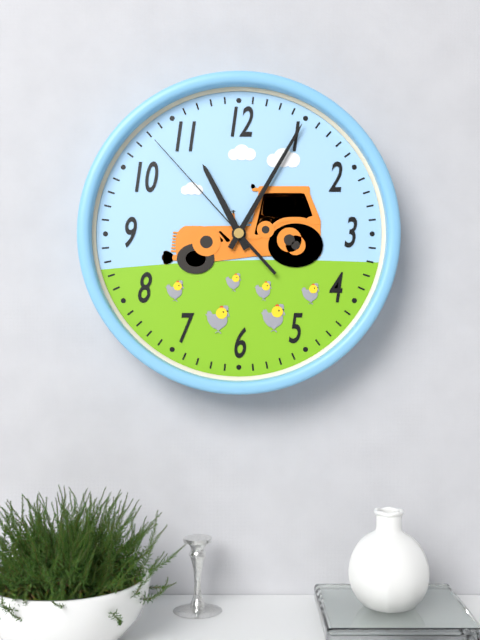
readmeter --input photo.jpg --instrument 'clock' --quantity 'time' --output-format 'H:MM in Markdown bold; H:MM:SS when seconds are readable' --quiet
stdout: **11:05:53**
